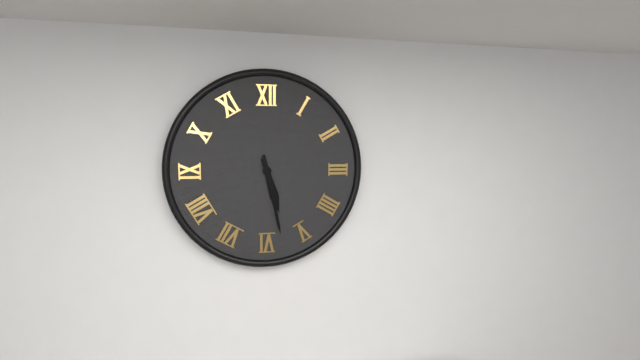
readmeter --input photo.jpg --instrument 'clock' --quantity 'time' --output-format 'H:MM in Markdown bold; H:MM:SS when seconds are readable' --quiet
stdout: **5:28**
